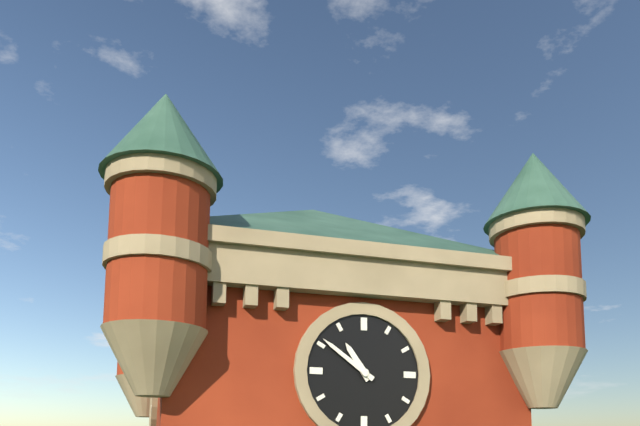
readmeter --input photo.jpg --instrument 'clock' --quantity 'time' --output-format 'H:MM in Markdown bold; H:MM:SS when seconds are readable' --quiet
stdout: **10:51**
